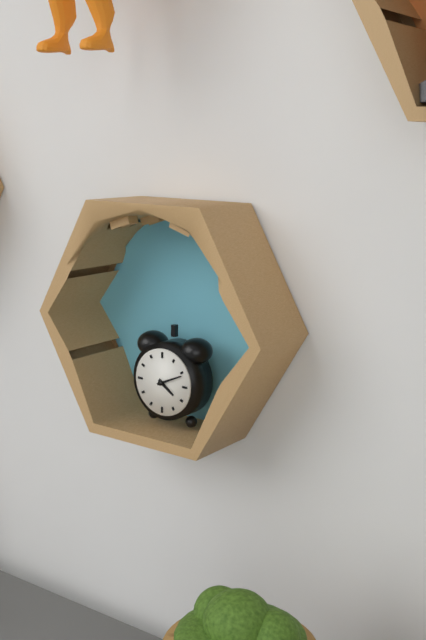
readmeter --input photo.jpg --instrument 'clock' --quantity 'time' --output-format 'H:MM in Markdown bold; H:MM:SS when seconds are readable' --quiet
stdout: **4:11**
